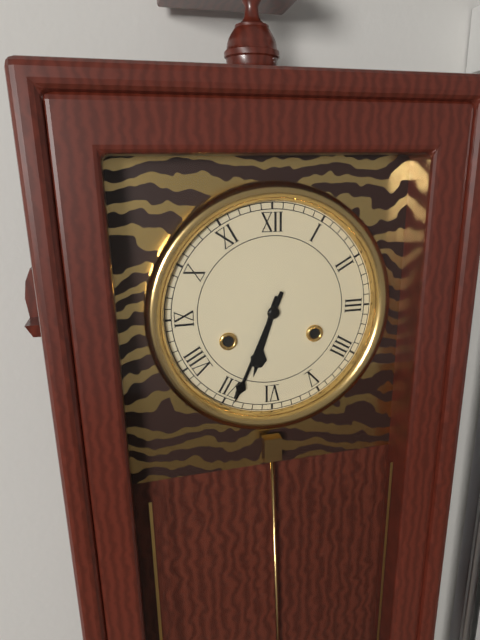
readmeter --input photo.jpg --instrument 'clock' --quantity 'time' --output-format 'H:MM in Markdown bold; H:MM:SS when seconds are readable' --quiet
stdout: **6:34**
